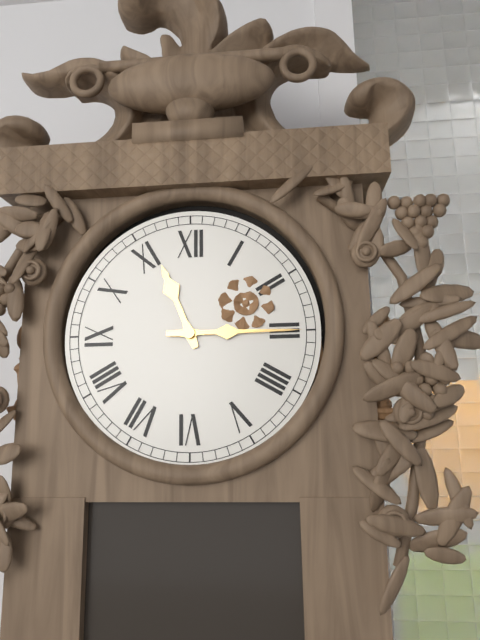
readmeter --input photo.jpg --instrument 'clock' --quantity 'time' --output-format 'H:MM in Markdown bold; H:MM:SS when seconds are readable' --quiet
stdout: **11:15**
